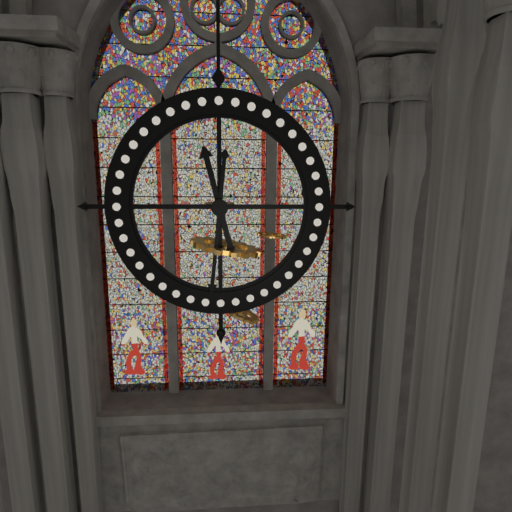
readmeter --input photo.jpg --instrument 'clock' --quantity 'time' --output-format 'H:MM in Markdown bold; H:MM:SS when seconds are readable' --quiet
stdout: **11:31**
